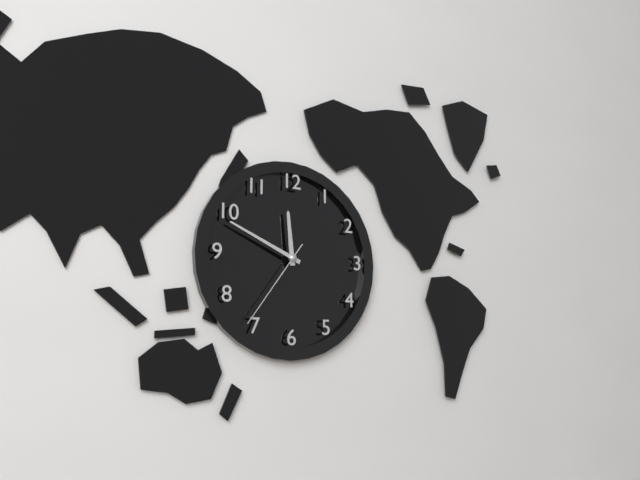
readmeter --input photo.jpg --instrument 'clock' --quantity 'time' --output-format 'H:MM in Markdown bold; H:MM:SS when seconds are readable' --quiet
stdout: **11:49:36**
